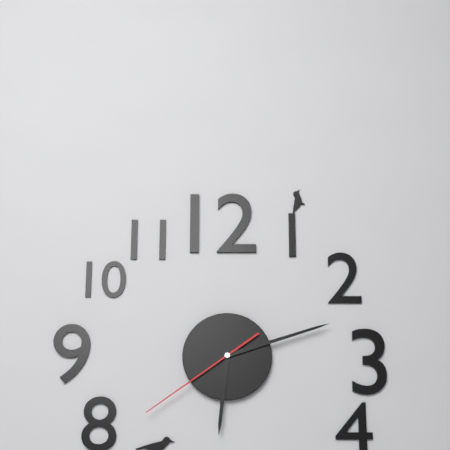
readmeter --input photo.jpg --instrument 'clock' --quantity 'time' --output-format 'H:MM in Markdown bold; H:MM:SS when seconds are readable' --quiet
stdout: **6:12:39**
